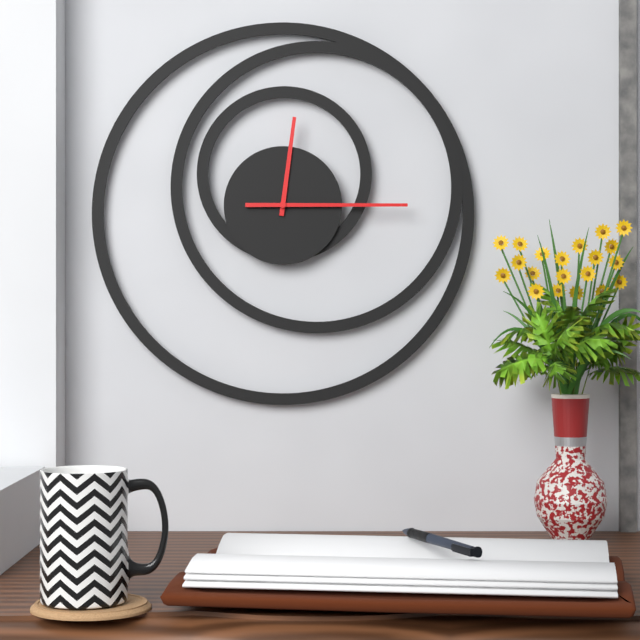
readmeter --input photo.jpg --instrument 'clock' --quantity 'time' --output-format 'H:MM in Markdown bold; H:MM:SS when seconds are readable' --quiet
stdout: **12:15**
